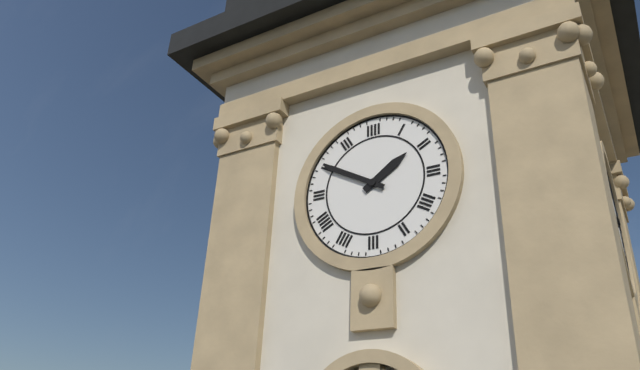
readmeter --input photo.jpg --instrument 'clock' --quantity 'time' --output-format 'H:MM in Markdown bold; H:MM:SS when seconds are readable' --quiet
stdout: **1:50**
